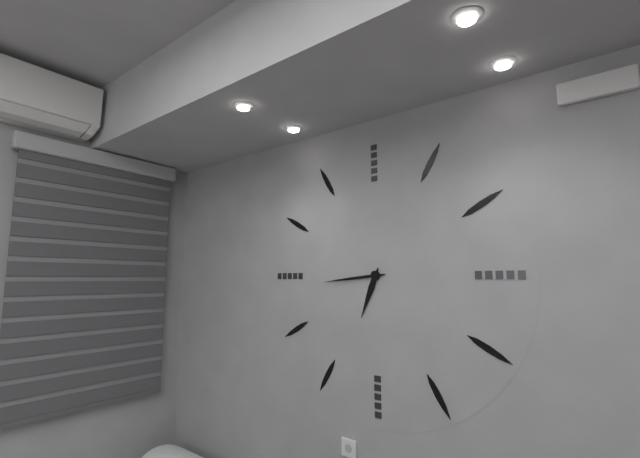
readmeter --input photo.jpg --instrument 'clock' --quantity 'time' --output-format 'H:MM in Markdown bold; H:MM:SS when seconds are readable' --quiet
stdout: **6:44**
